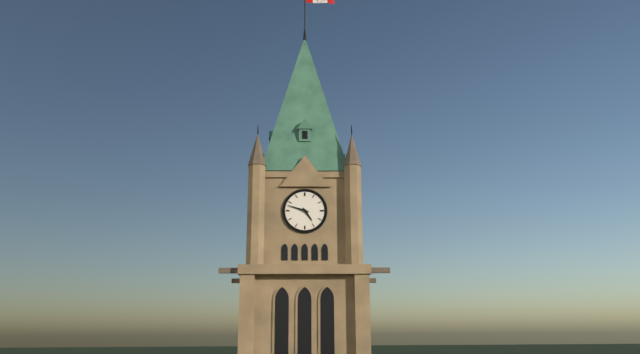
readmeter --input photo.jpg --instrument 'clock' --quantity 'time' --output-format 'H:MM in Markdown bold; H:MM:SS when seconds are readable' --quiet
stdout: **4:48**
